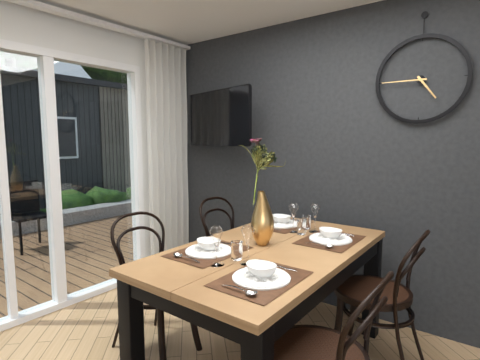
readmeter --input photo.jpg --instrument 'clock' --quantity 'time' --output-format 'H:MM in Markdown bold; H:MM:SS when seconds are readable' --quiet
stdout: **4:45**
